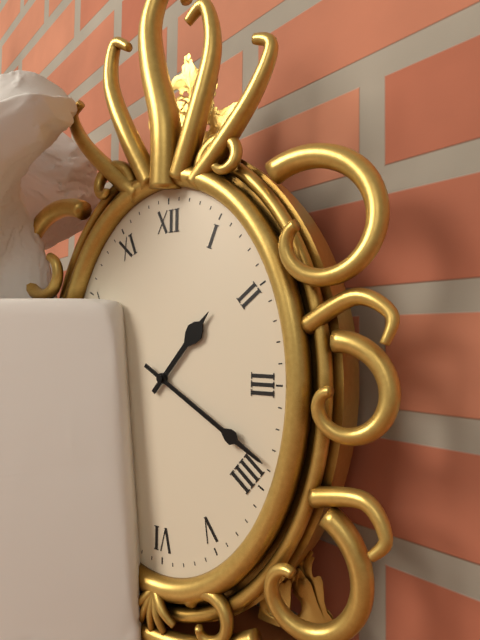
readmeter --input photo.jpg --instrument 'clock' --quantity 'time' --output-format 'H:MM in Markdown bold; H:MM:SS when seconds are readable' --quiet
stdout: **1:20**
